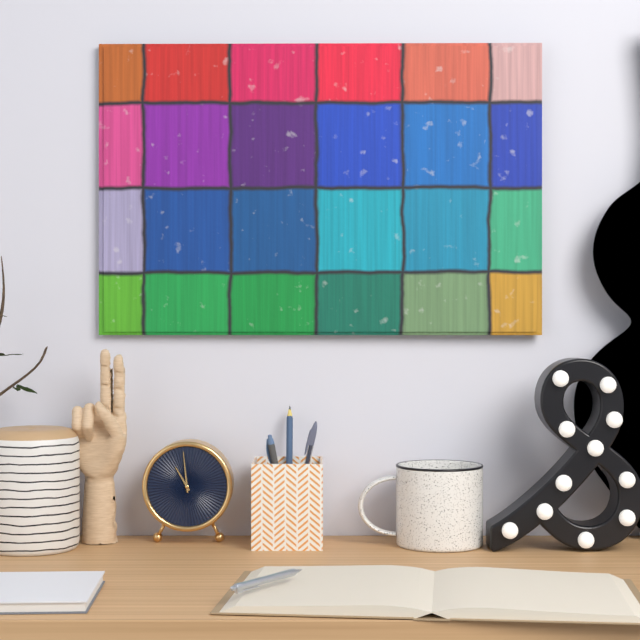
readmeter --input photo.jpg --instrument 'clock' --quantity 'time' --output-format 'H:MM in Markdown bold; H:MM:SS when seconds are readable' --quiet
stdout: **10:59**
